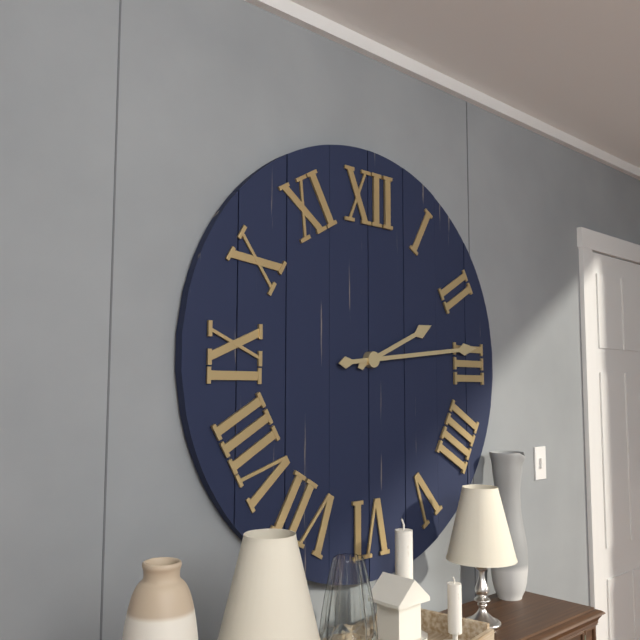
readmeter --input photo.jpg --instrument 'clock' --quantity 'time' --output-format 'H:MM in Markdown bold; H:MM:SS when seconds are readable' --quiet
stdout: **2:14**
